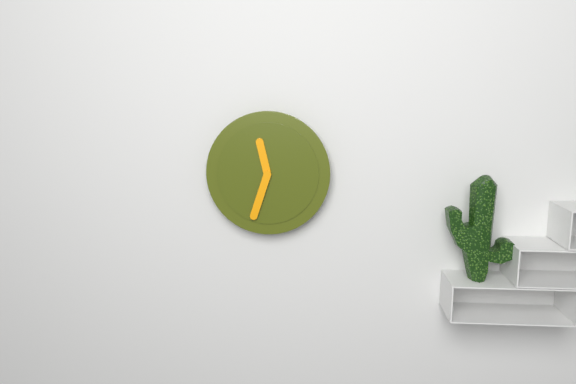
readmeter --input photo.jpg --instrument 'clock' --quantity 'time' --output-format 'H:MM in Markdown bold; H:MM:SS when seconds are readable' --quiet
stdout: **11:33**
